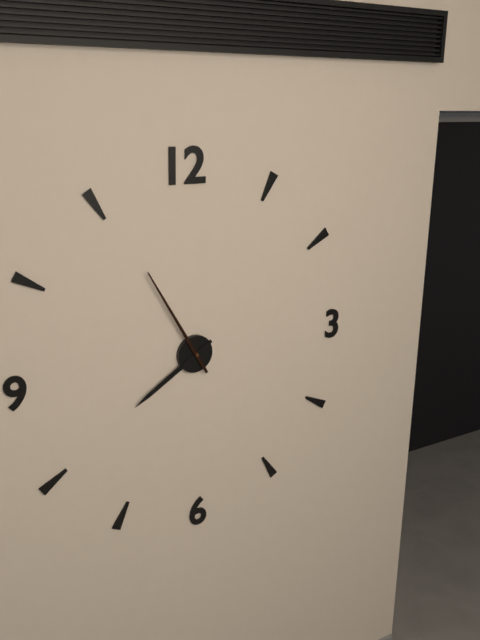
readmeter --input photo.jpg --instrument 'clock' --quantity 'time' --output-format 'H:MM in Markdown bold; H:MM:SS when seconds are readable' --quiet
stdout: **7:55**
